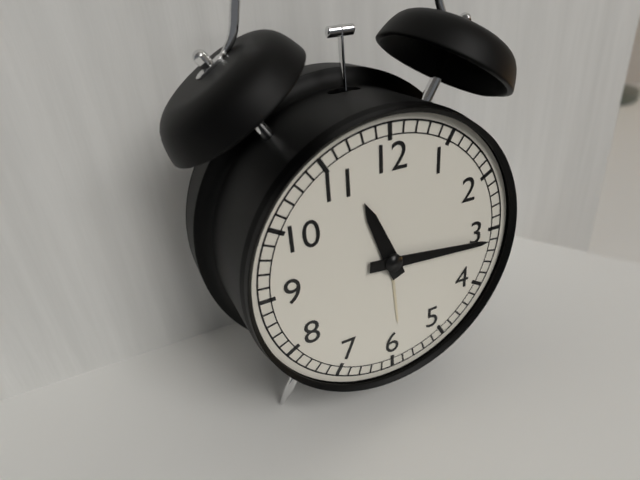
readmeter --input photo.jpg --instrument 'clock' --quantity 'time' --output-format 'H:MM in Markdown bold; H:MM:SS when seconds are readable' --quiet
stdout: **11:16**
